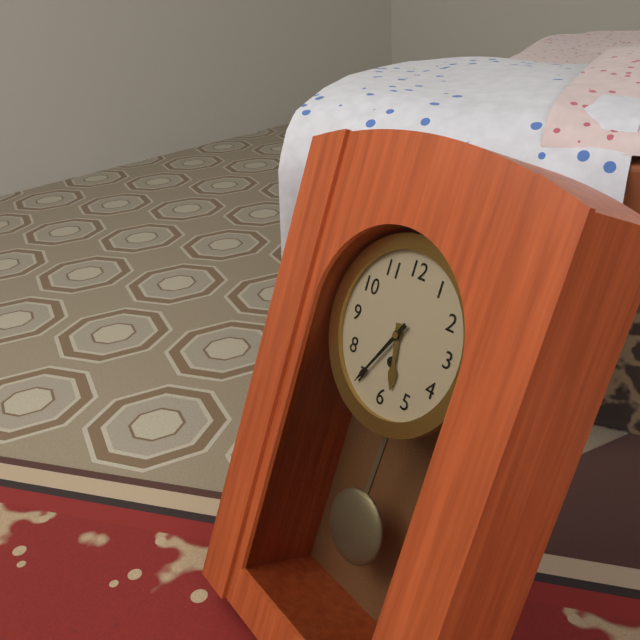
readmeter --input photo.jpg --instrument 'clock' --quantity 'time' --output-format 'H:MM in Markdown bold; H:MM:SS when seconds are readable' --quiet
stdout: **5:35**
